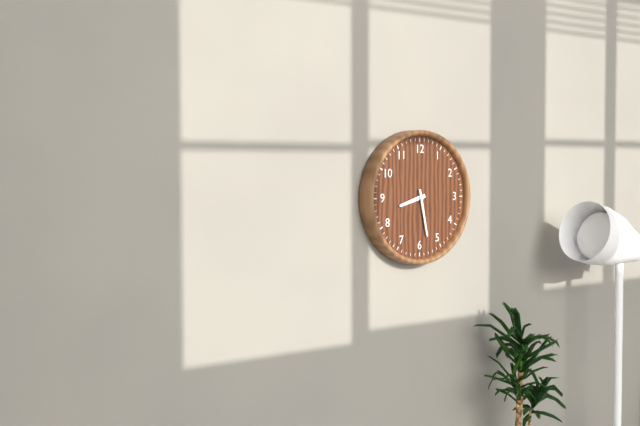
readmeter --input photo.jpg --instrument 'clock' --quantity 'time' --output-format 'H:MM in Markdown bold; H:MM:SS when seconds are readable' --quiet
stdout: **8:28**
